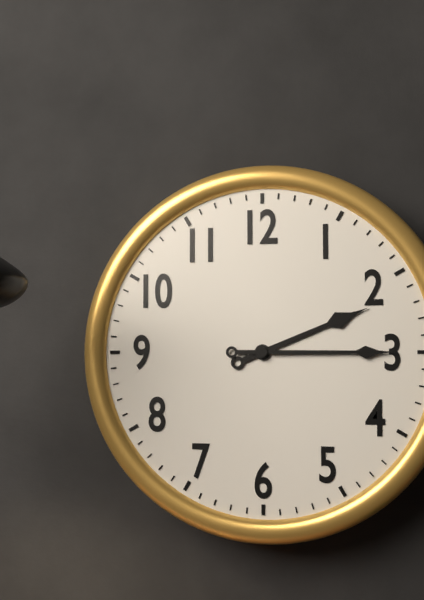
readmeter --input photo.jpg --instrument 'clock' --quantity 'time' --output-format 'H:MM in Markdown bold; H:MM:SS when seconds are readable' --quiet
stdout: **2:15**
